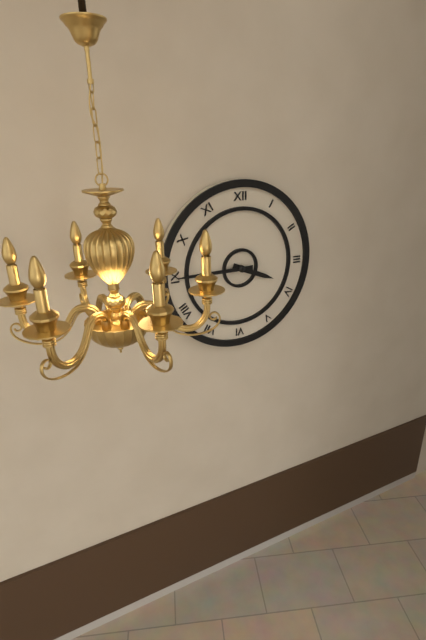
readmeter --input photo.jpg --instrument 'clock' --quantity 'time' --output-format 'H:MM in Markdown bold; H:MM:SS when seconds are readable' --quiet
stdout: **3:45**
